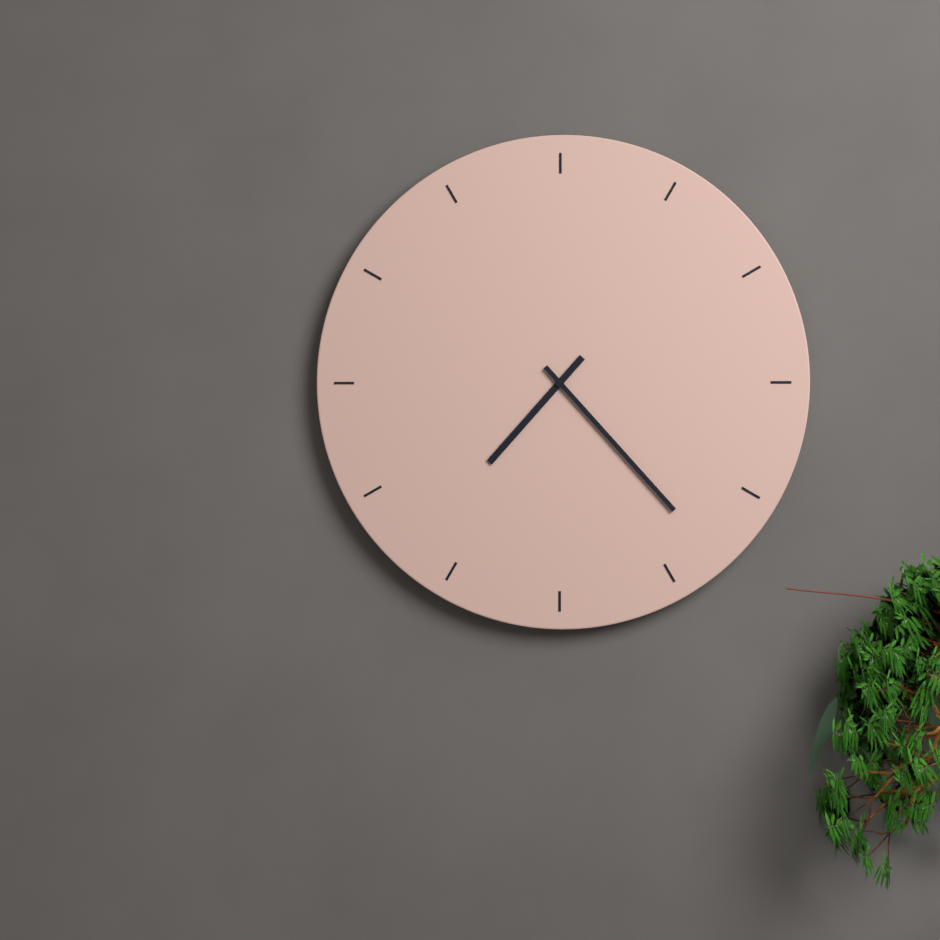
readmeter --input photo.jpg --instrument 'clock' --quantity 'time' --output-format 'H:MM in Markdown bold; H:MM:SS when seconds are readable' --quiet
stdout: **7:23**
